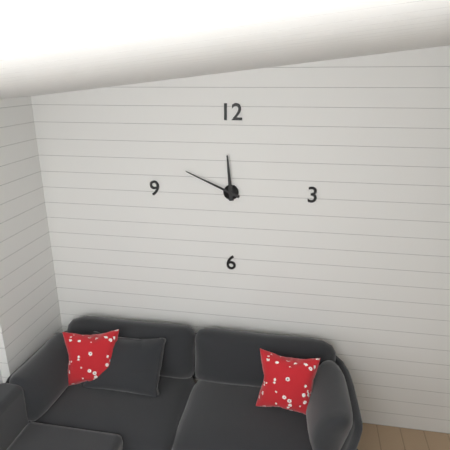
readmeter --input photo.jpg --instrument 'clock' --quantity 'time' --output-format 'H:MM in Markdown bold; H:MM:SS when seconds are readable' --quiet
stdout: **11:49**
